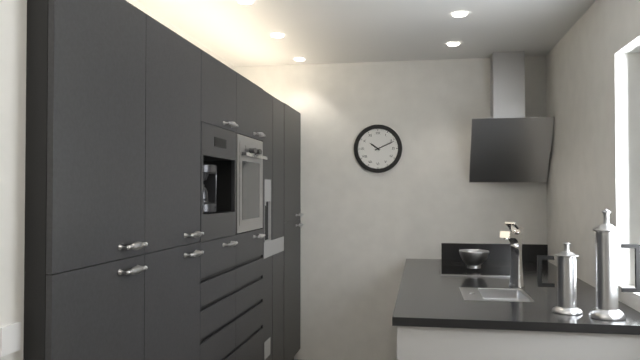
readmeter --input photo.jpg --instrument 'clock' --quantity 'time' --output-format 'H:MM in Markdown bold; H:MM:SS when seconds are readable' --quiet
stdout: **10:11**
